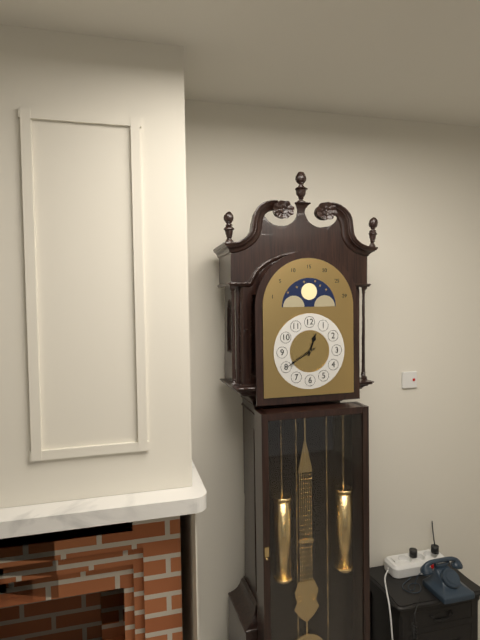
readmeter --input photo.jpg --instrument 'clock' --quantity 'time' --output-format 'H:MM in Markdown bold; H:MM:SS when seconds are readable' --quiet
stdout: **12:40**
